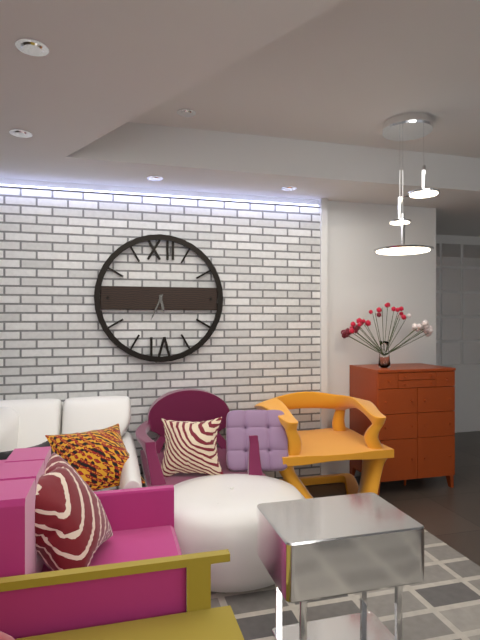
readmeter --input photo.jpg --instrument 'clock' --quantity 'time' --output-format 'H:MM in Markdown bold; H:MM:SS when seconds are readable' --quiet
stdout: **5:34**
